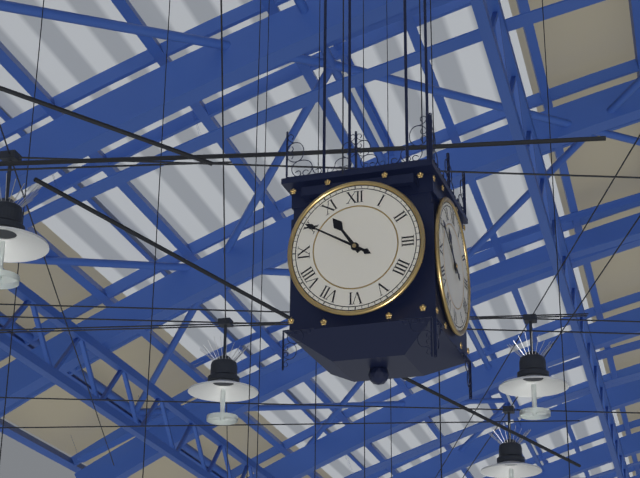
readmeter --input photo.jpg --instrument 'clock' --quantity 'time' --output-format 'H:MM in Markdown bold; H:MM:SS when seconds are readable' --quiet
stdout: **10:50**
